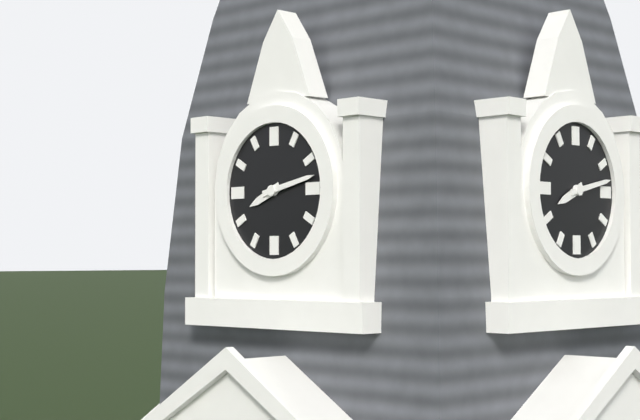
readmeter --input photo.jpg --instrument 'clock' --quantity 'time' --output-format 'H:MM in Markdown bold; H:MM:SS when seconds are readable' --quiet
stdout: **8:13**
